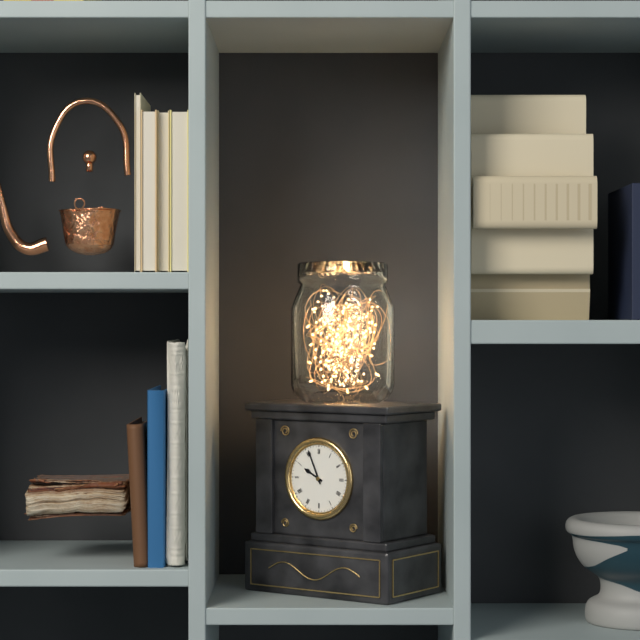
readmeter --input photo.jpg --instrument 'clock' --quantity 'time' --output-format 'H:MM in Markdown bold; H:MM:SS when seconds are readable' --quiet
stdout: **9:56**
